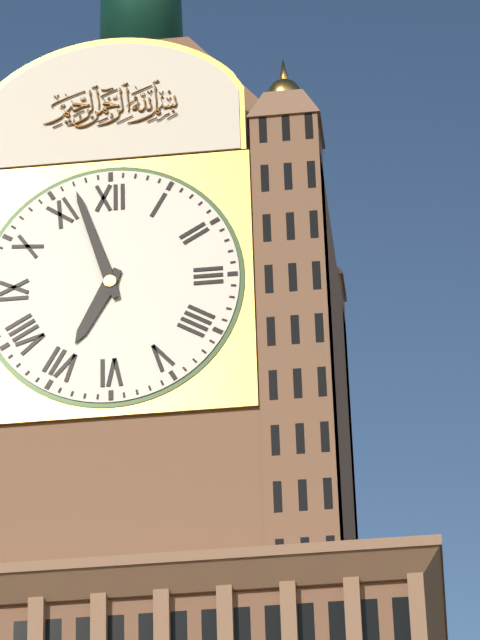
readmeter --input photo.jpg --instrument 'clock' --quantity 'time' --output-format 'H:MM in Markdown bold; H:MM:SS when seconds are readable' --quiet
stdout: **6:57**
